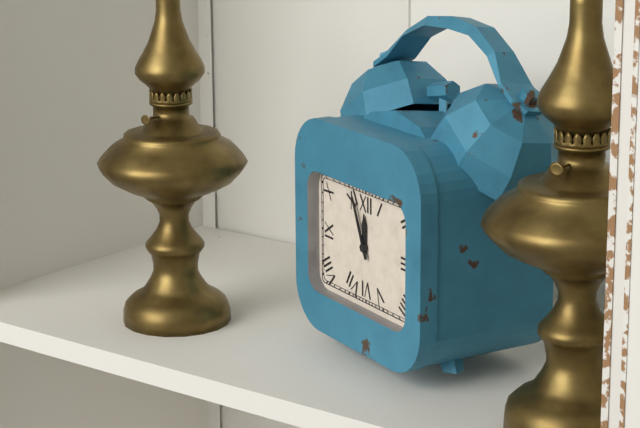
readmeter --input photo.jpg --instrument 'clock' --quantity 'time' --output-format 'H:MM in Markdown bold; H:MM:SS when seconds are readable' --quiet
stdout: **11:56**
